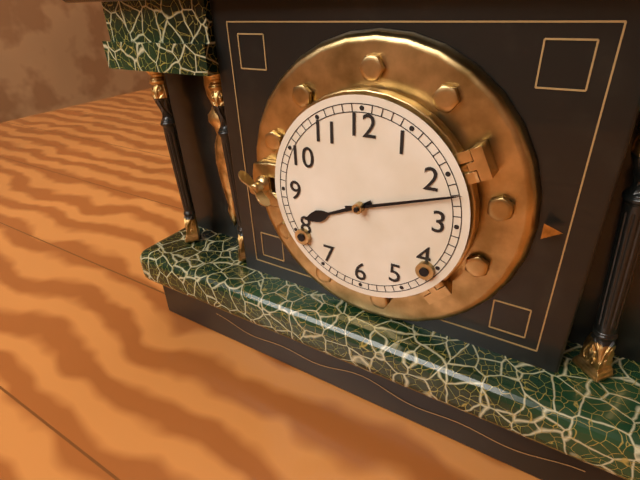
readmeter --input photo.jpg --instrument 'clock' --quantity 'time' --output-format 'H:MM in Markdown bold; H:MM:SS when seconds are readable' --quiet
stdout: **8:12**
